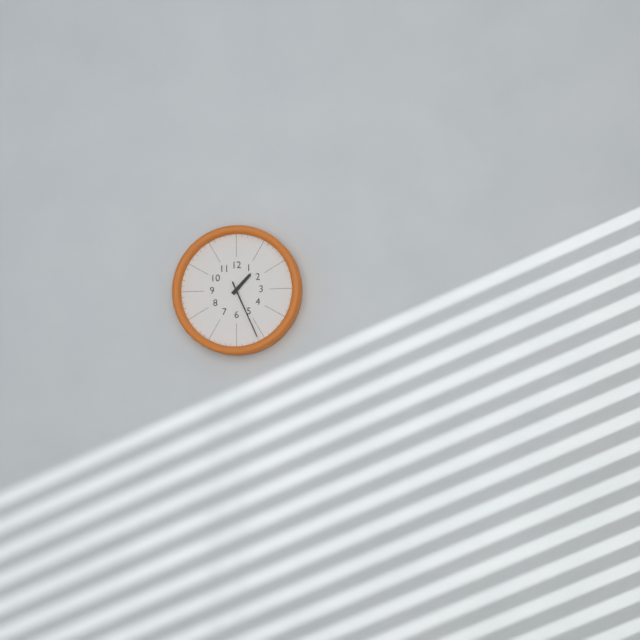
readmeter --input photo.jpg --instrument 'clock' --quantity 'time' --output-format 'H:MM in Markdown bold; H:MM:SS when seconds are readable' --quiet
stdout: **1:26**
